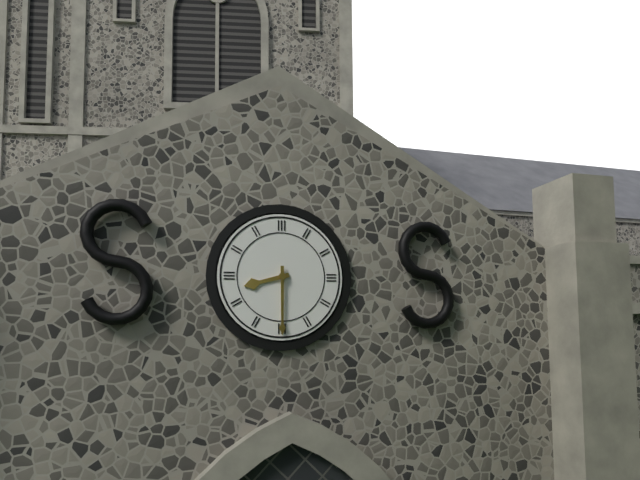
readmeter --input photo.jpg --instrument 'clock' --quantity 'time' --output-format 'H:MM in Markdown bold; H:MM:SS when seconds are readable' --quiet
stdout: **8:30**
